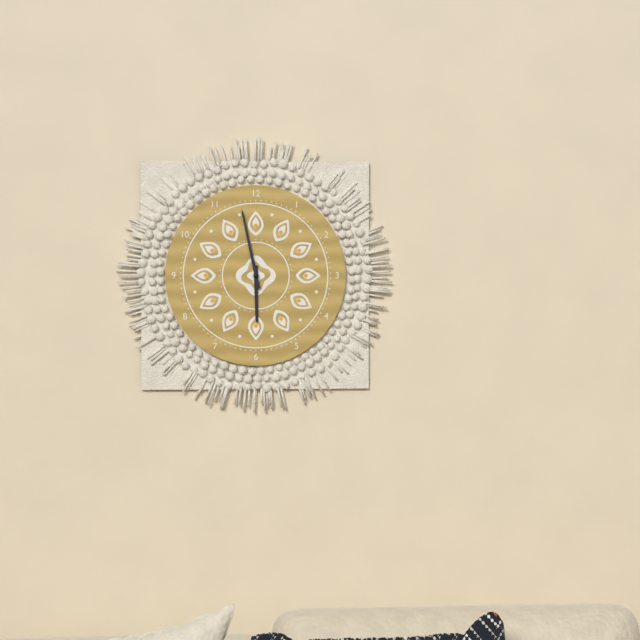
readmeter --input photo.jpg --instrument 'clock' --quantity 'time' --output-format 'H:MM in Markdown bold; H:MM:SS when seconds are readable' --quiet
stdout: **5:58**
